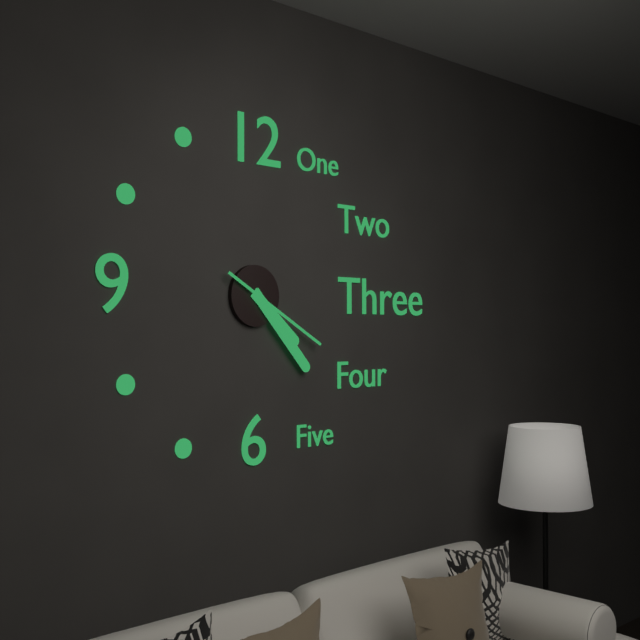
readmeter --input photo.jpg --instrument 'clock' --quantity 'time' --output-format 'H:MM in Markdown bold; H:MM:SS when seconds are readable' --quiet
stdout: **4:23:20**
